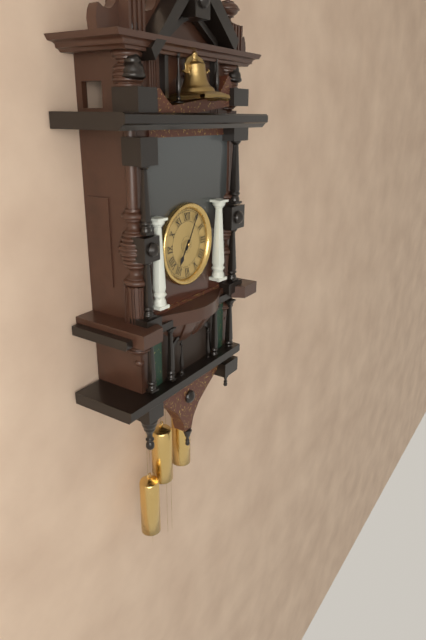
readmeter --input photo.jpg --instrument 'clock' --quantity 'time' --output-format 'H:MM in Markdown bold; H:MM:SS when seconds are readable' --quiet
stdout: **7:05**
